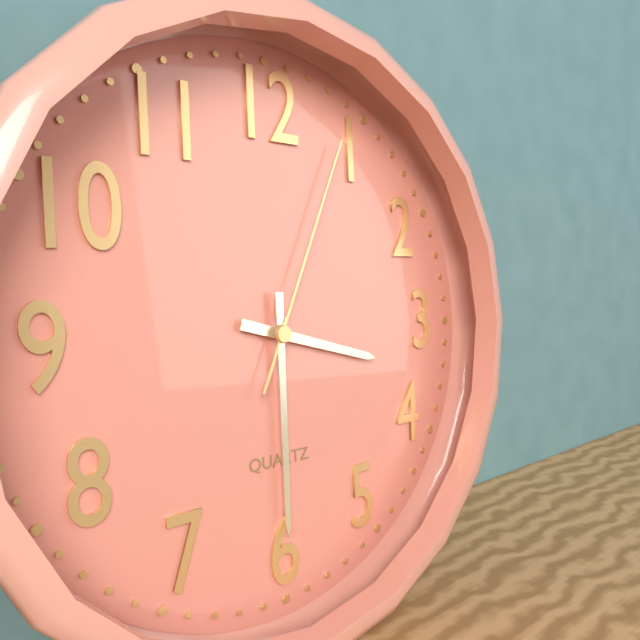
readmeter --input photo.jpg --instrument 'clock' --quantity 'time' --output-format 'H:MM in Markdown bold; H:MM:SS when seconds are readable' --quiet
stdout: **3:30:04**
